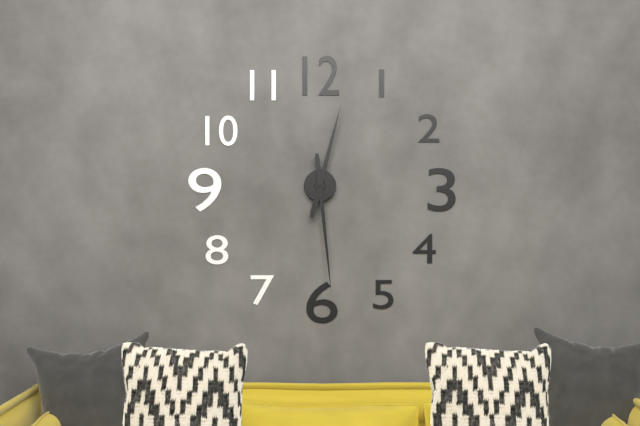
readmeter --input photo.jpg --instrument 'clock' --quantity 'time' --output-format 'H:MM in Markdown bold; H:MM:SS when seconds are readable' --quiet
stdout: **12:29**
